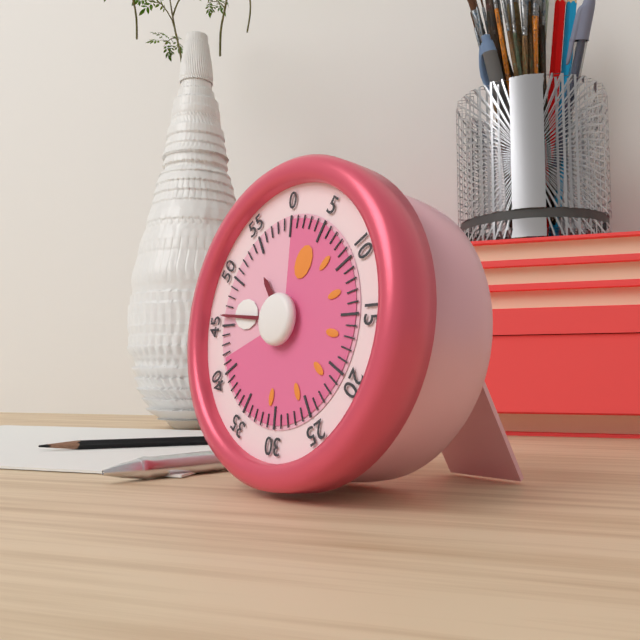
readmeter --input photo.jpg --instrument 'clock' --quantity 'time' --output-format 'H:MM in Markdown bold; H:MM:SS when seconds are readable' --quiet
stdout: **10:46**
